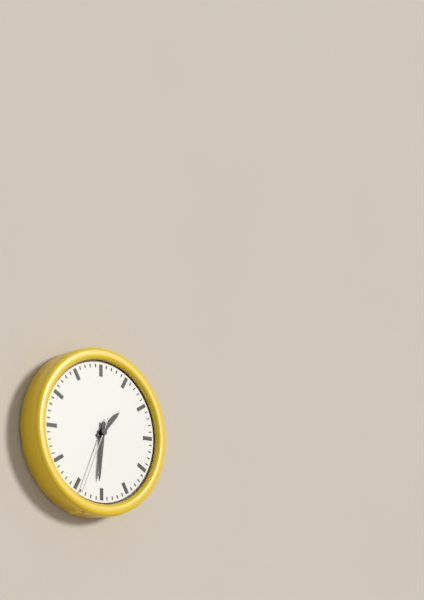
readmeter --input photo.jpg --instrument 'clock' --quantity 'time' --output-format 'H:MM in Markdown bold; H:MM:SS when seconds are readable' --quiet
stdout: **1:31:34**
